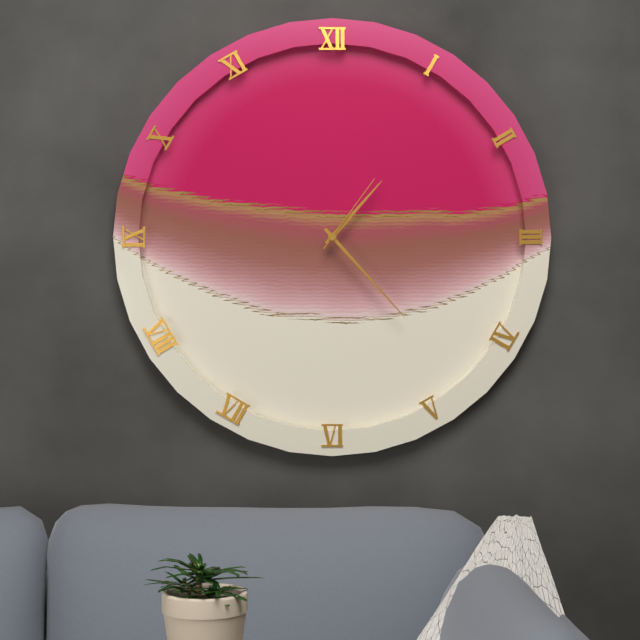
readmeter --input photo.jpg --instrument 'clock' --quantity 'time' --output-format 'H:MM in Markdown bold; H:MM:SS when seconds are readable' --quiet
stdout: **1:23:06**
